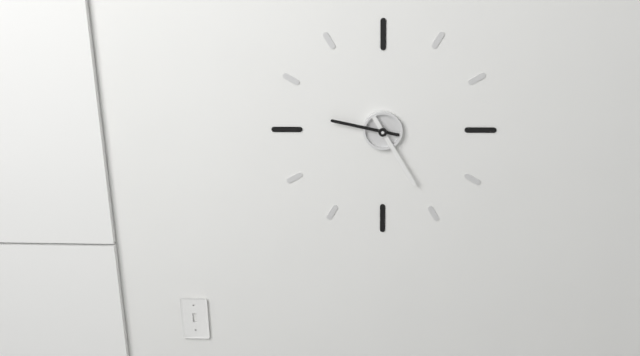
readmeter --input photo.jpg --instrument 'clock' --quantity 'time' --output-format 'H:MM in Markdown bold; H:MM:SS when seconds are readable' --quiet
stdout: **9:25**
